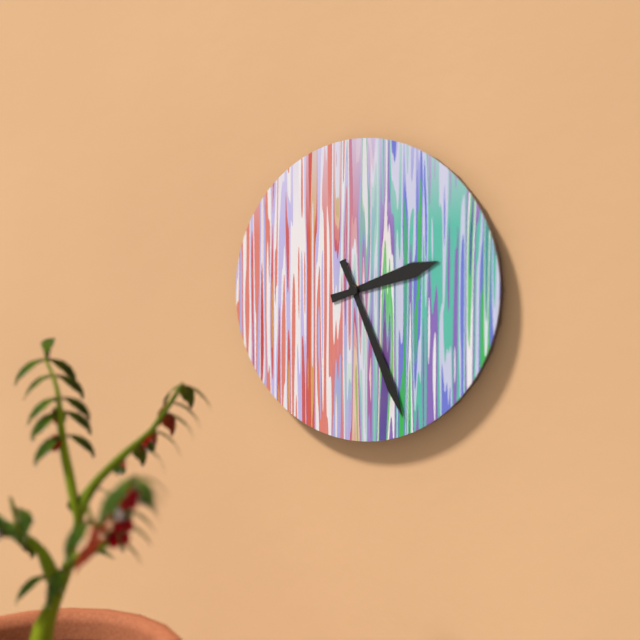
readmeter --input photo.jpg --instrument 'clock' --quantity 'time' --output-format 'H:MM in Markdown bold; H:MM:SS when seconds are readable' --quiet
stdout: **2:26**
